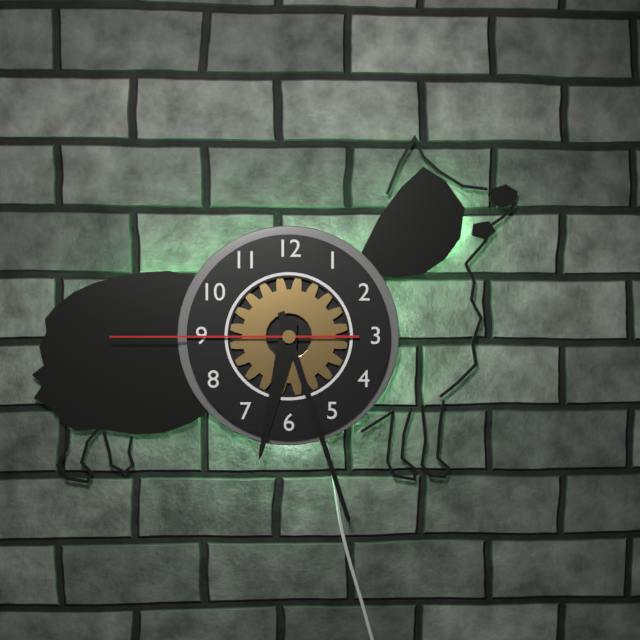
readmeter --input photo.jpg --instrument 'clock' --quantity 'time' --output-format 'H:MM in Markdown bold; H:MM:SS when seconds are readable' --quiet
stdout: **6:27:45**
